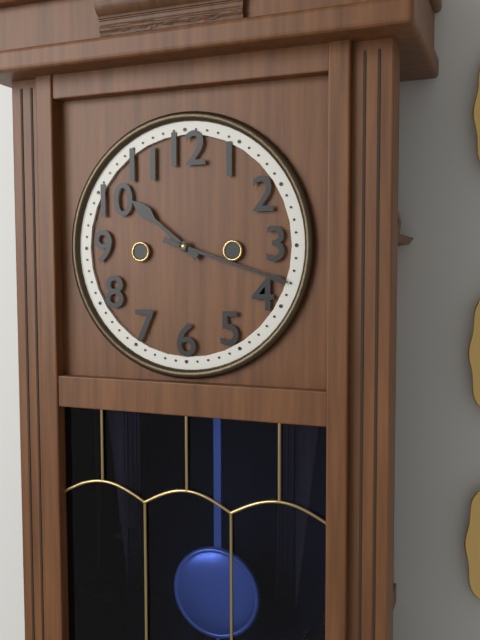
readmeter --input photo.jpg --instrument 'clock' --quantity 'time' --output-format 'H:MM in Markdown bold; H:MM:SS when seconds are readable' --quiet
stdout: **10:18**
